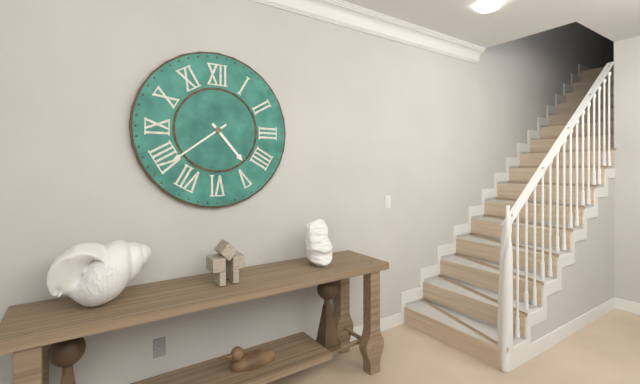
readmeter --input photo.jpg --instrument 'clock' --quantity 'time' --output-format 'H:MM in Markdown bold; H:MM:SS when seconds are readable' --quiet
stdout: **4:39**
